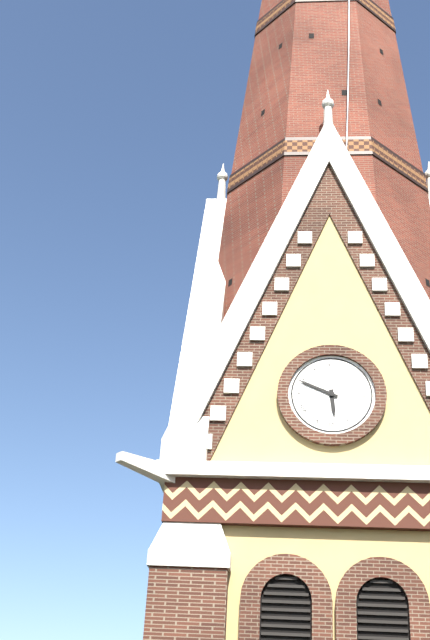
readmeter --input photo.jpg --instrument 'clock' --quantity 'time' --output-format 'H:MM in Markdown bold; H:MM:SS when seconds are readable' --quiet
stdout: **5:49**
